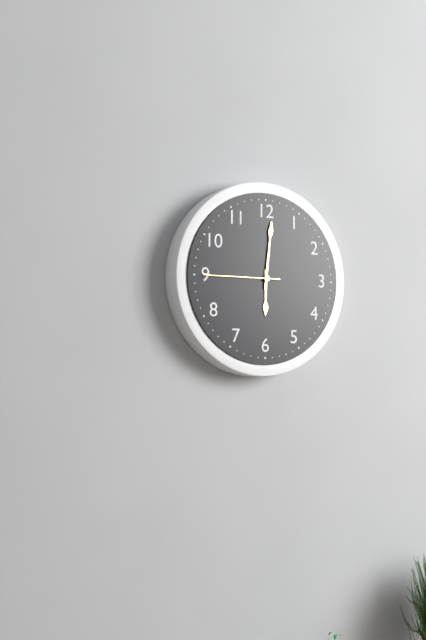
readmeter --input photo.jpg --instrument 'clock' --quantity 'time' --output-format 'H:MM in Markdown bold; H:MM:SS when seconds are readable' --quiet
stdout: **6:01:45**
